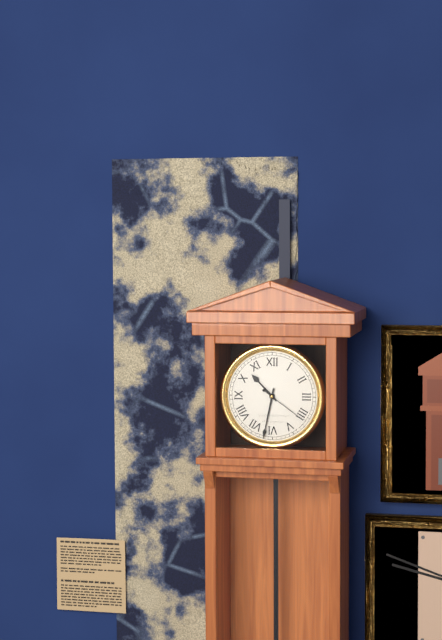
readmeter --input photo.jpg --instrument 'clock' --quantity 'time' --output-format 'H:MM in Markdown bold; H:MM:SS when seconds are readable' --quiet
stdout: **10:32**
